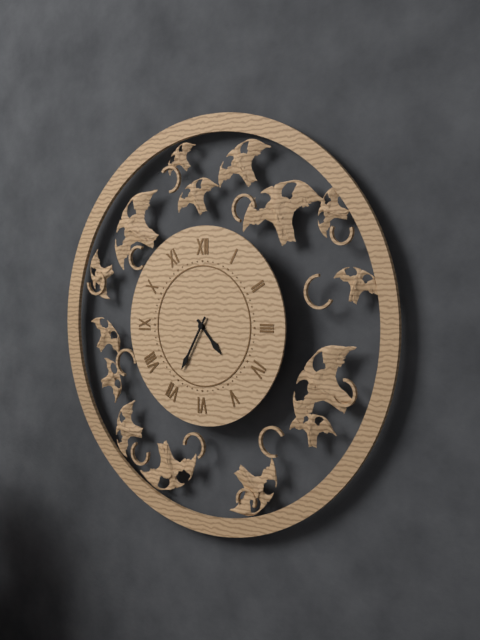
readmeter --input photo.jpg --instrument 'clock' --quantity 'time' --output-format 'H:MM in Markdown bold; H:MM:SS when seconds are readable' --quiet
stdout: **4:35**
